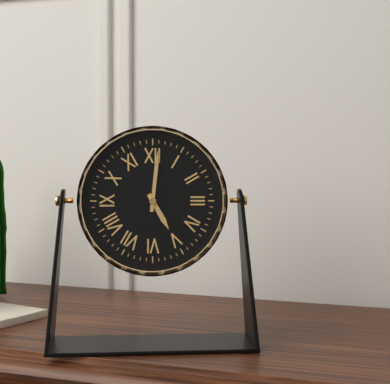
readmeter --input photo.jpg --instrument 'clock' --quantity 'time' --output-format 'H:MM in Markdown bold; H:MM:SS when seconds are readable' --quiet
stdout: **5:01**
